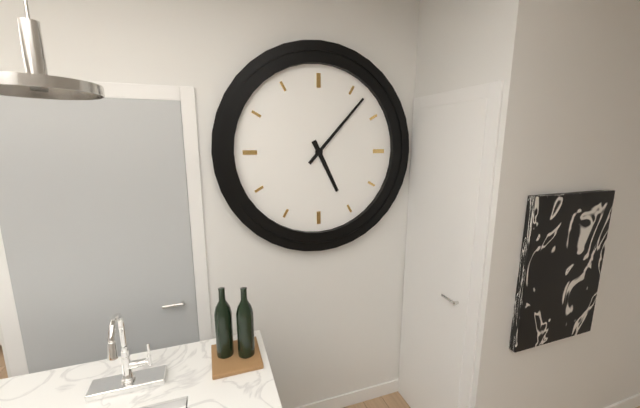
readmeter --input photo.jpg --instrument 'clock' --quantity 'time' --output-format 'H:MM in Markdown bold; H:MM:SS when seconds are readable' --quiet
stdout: **5:07**
